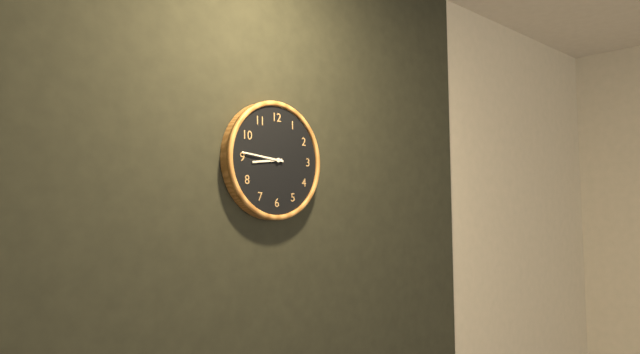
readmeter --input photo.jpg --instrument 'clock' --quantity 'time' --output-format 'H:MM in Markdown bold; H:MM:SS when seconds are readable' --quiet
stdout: **8:46**
